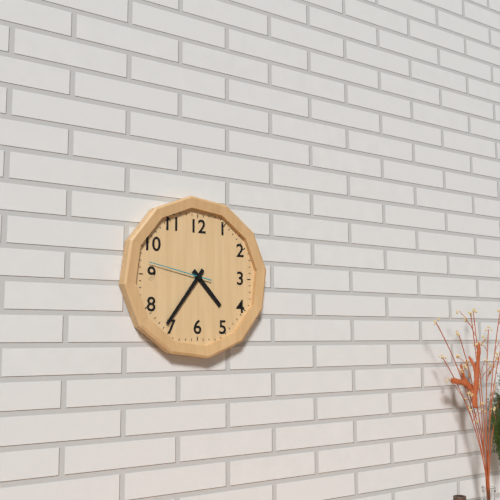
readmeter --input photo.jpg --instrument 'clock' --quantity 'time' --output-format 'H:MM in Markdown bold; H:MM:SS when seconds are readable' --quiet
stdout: **4:36:47**
